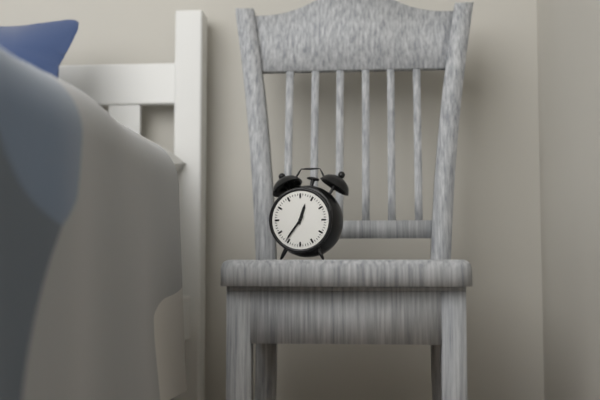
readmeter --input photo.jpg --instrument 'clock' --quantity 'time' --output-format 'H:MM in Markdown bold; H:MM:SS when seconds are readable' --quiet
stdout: **12:36**
